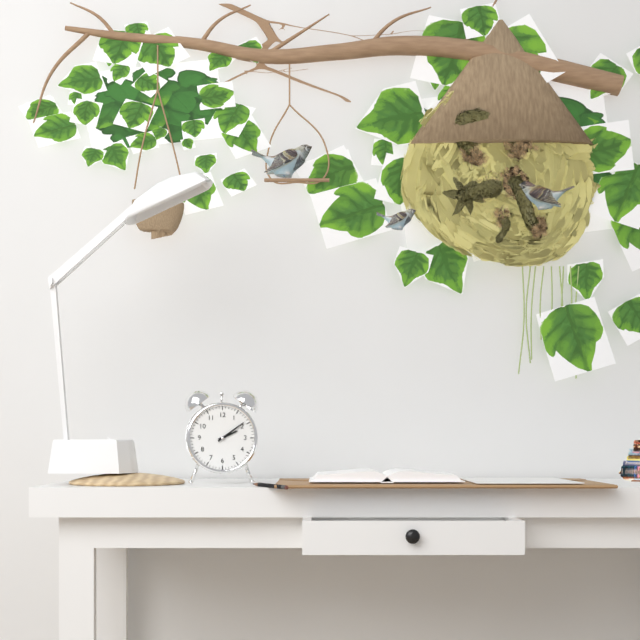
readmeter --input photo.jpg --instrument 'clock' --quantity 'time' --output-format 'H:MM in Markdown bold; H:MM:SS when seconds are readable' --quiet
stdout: **2:09**
